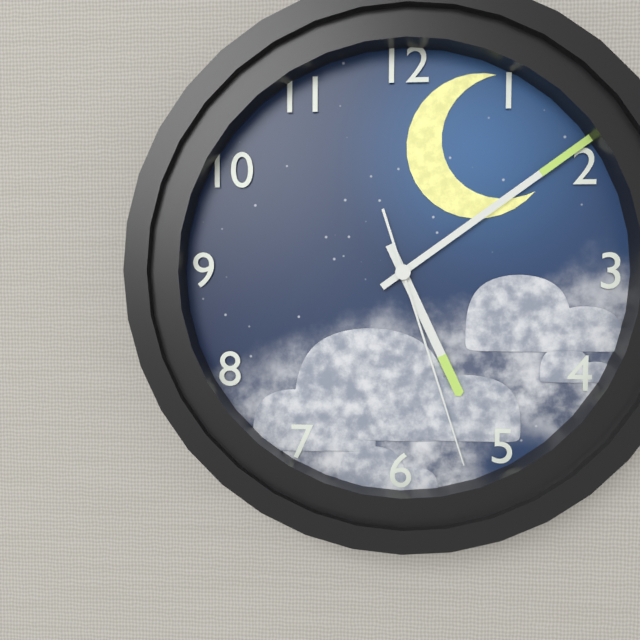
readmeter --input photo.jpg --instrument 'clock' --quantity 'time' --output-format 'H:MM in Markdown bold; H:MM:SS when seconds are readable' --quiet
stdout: **5:09:27**
